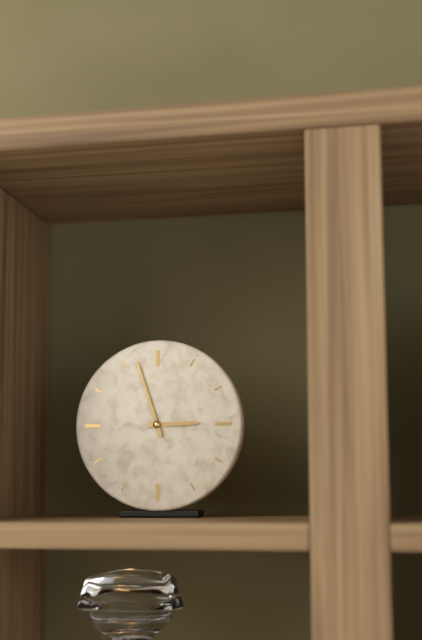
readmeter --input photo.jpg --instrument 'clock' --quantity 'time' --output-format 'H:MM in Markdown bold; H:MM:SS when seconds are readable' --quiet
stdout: **2:57**
